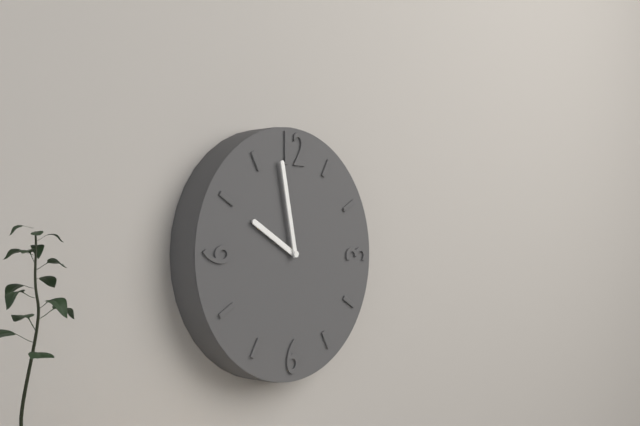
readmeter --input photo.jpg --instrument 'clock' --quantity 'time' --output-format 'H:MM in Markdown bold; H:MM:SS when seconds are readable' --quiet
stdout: **9:58**
